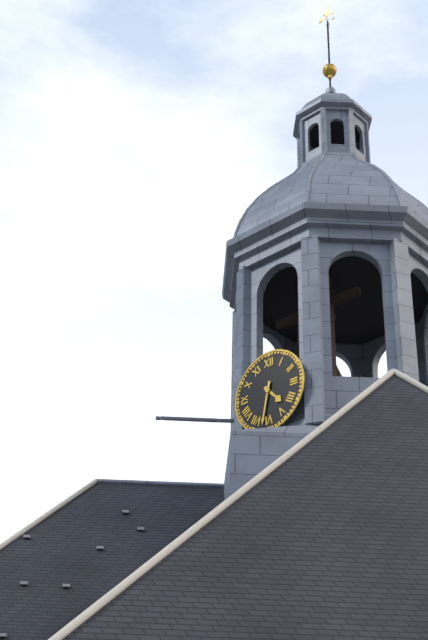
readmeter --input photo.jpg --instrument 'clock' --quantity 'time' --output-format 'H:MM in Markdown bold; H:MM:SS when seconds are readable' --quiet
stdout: **4:32**
